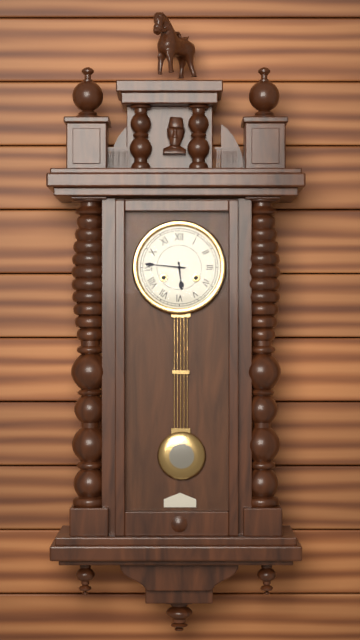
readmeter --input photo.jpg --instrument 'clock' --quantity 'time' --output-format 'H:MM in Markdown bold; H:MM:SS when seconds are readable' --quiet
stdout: **5:46**
